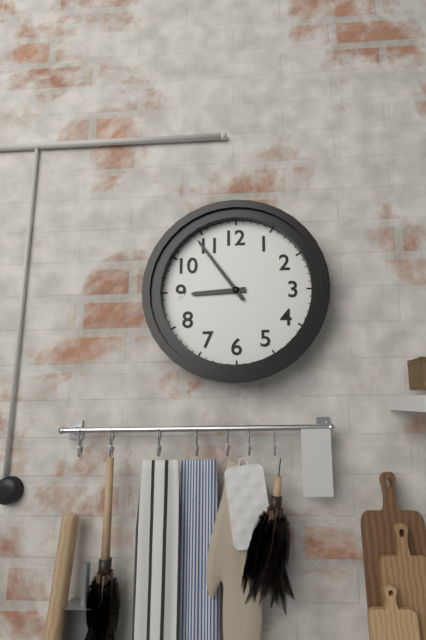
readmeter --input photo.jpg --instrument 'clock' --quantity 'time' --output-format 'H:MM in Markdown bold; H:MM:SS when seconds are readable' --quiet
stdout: **8:54**
